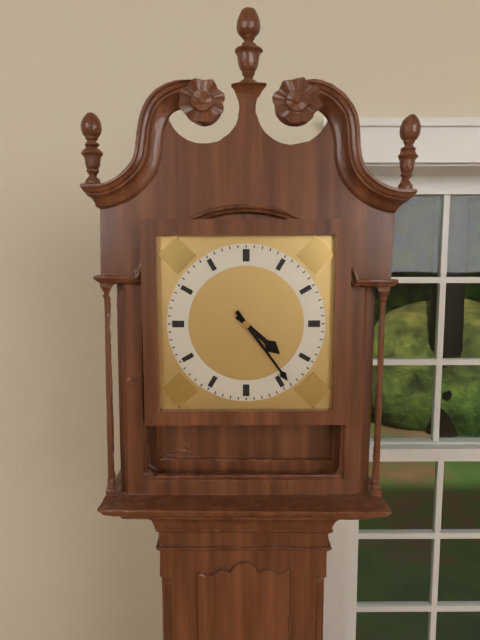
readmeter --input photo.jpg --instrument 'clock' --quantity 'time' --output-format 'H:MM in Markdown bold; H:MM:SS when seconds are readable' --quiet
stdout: **4:24**
